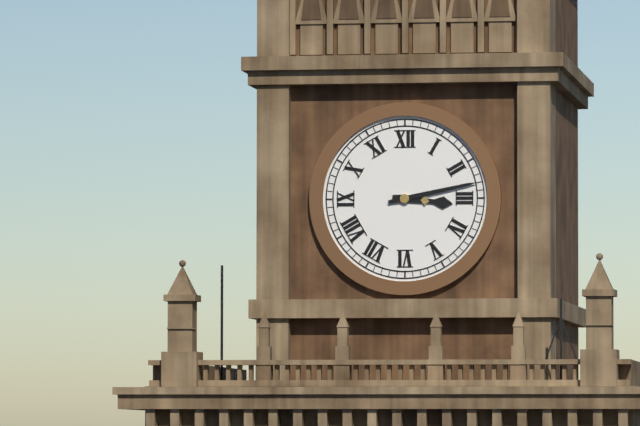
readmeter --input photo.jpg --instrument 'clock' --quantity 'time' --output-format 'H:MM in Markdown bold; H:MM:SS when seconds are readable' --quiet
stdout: **3:13**
